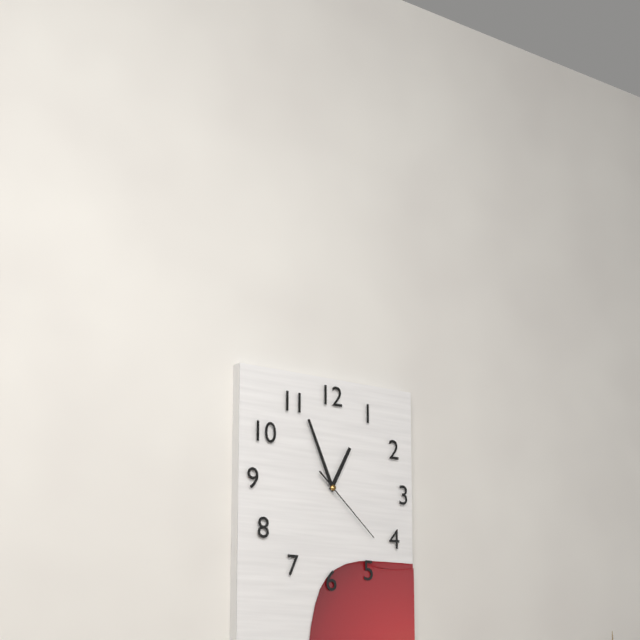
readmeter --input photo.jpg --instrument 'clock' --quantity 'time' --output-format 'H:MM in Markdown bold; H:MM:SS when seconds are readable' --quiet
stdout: **12:56:22**
